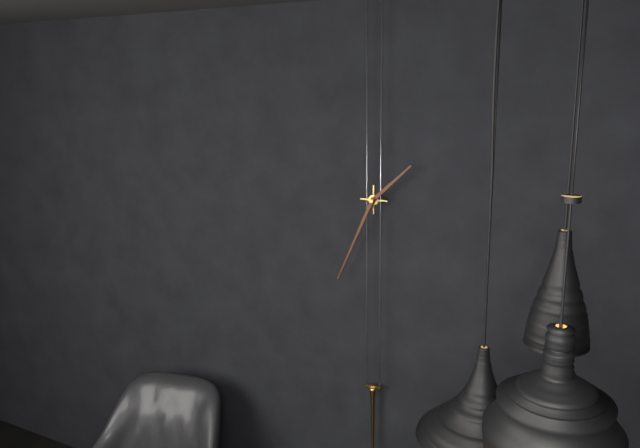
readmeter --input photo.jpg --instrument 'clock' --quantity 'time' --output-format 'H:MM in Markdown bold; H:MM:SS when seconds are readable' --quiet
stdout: **1:34**
